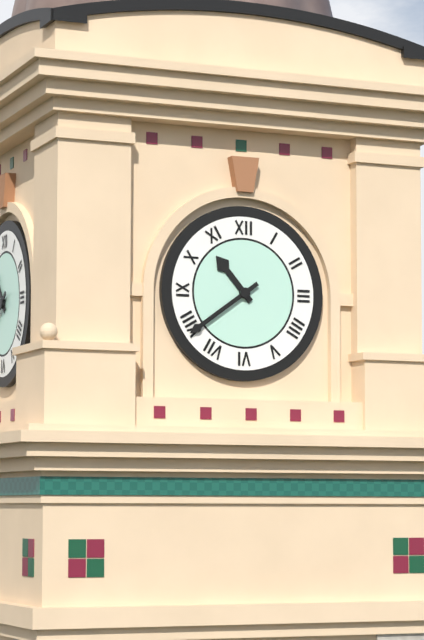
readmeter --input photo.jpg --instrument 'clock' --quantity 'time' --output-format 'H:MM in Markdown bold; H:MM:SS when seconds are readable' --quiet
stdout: **10:39**
